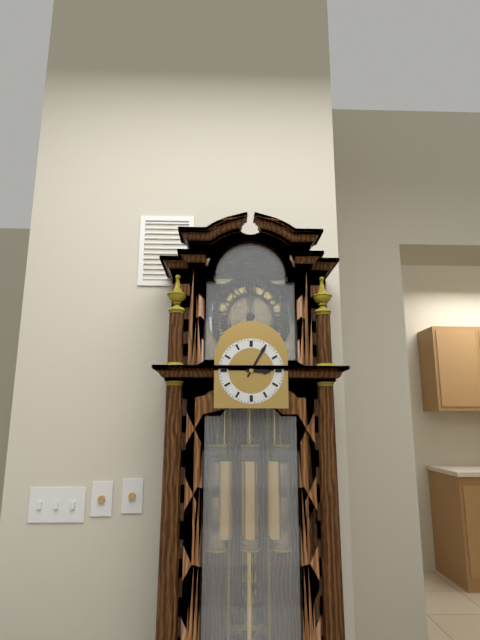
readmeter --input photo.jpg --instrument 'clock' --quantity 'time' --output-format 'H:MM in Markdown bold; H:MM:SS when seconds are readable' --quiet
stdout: **3:05**
